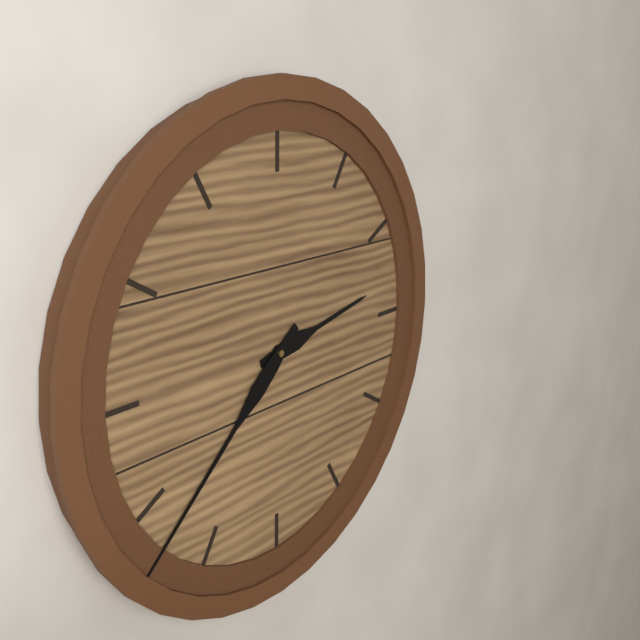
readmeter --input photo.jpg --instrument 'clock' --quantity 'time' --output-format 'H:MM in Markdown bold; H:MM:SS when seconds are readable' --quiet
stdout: **2:38**
